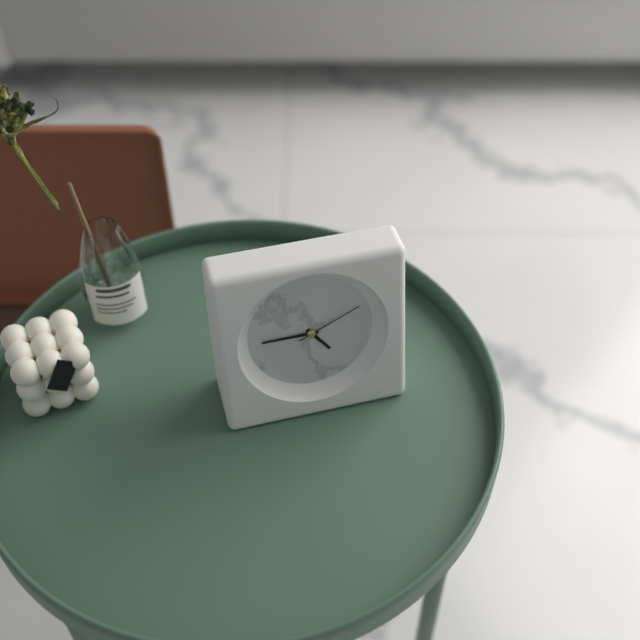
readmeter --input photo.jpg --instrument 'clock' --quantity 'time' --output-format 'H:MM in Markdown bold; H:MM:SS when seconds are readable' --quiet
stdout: **4:45:11**
